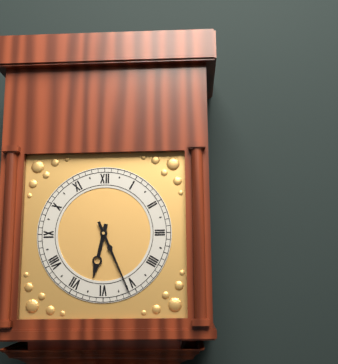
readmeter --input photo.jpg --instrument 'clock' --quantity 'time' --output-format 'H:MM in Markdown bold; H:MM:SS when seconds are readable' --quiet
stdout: **6:26**
